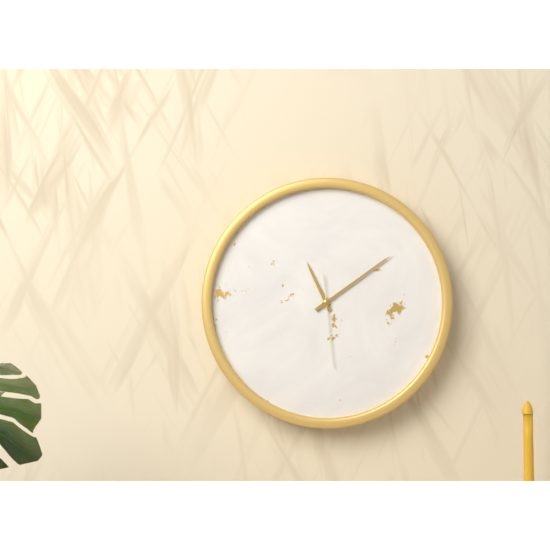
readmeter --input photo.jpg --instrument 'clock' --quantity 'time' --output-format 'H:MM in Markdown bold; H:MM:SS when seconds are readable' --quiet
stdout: **11:09:29**
